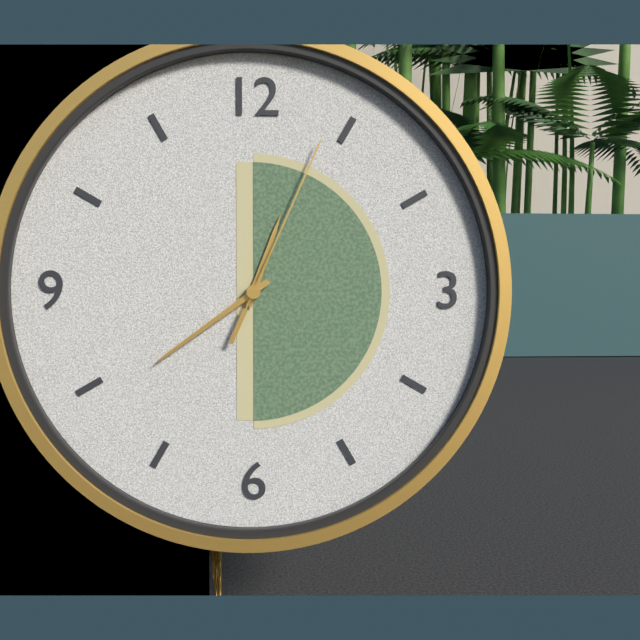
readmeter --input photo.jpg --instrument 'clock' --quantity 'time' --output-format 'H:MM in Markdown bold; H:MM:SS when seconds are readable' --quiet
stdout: **12:39:04**
